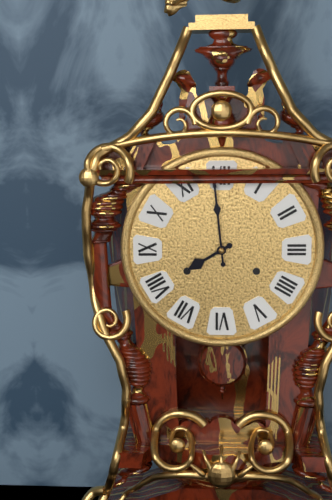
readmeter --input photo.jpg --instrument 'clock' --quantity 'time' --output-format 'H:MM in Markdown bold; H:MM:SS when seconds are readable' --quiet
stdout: **7:59**
